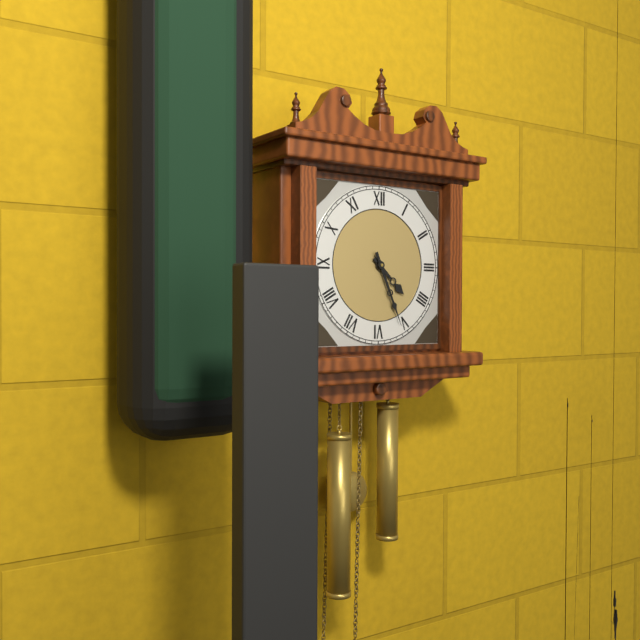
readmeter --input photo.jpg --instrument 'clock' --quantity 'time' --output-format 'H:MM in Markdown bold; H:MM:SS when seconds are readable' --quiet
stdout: **4:26**
